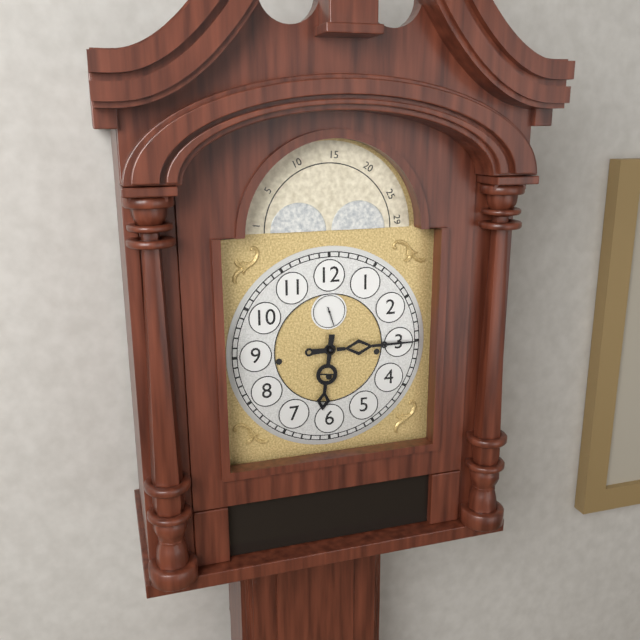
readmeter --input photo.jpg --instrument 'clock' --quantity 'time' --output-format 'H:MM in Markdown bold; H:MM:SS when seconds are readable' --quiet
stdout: **6:15**
